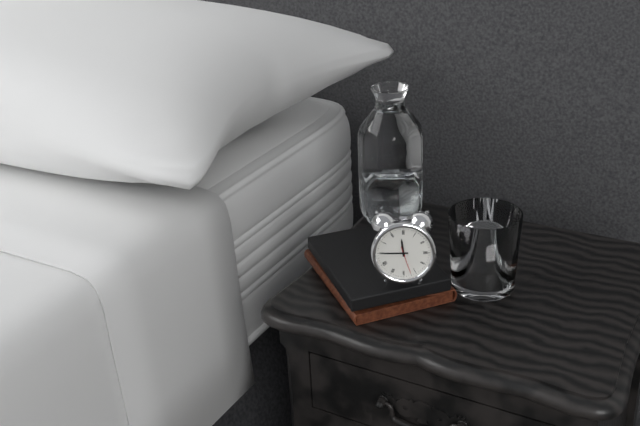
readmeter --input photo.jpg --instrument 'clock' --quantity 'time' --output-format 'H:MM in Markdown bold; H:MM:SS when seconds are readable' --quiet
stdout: **11:45**
